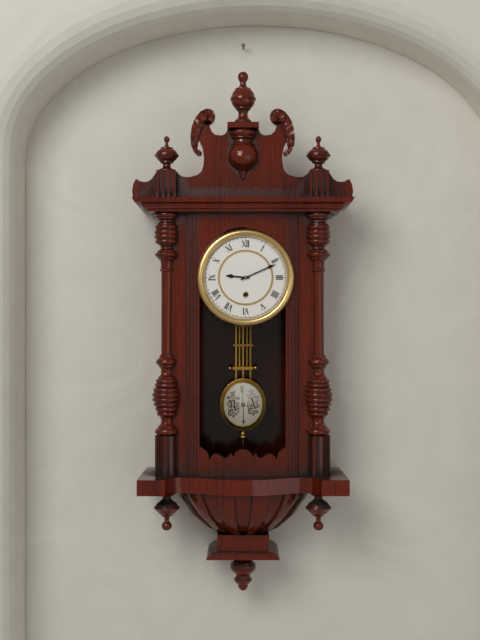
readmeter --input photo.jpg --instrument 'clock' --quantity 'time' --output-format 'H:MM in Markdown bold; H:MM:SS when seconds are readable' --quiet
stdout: **9:11**
